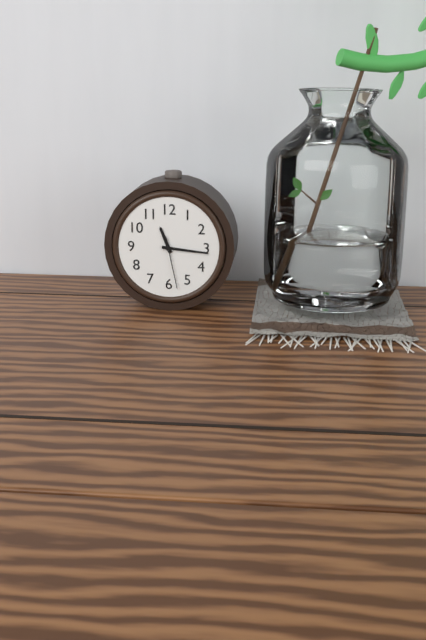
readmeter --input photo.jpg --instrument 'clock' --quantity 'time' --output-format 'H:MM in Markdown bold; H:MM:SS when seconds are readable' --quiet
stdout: **11:16:28**
